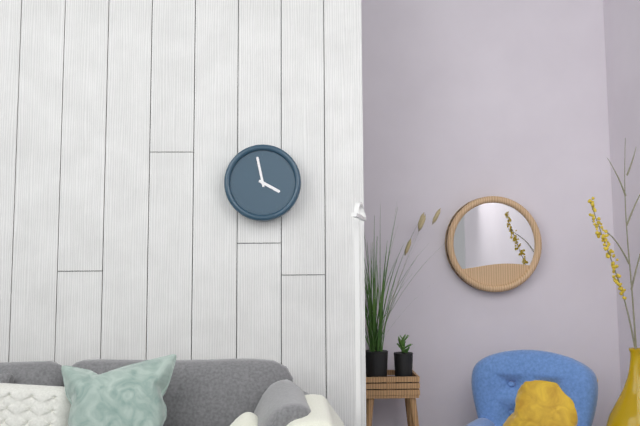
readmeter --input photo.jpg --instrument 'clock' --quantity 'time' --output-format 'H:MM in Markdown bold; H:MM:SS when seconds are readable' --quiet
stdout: **3:58**
